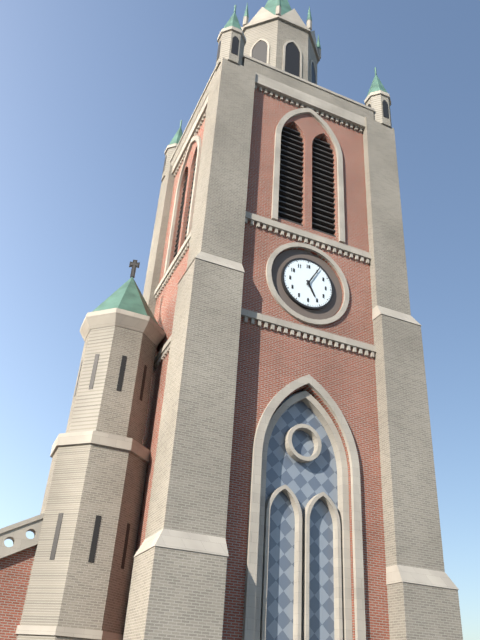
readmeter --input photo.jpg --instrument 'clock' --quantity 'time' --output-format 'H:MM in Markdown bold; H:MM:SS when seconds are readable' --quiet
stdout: **5:05**
